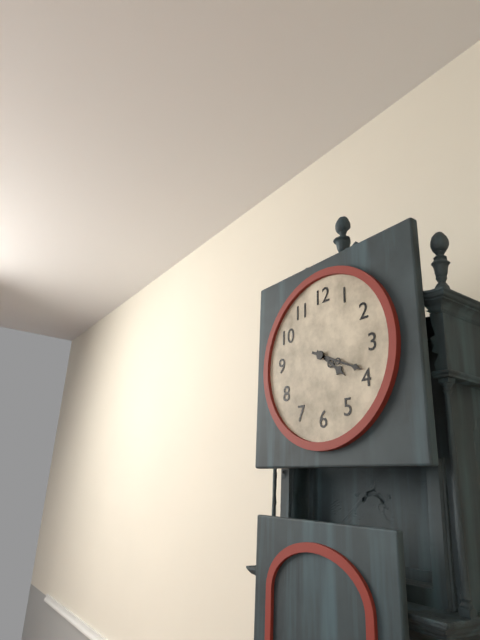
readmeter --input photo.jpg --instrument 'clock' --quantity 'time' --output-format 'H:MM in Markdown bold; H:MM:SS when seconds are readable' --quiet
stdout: **4:19**
